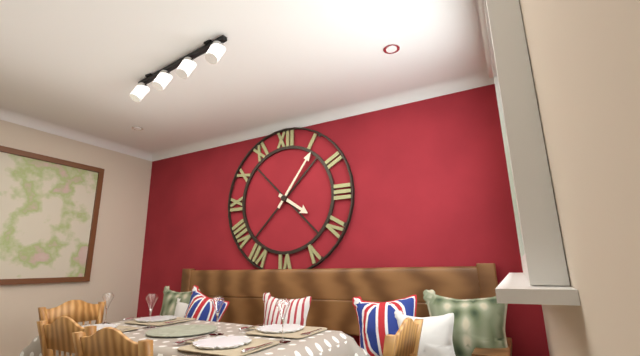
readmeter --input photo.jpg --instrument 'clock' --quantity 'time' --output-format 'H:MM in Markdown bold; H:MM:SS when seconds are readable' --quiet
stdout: **4:06**
